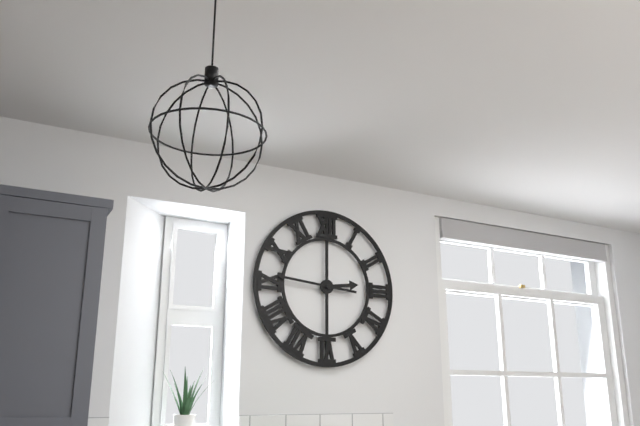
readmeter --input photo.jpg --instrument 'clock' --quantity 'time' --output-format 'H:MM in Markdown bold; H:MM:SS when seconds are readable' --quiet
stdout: **2:46**
